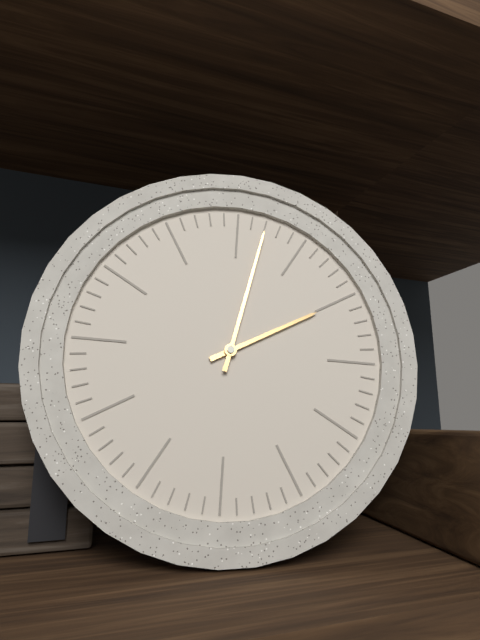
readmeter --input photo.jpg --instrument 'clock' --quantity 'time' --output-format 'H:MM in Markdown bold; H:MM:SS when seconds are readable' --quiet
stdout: **2:02**
